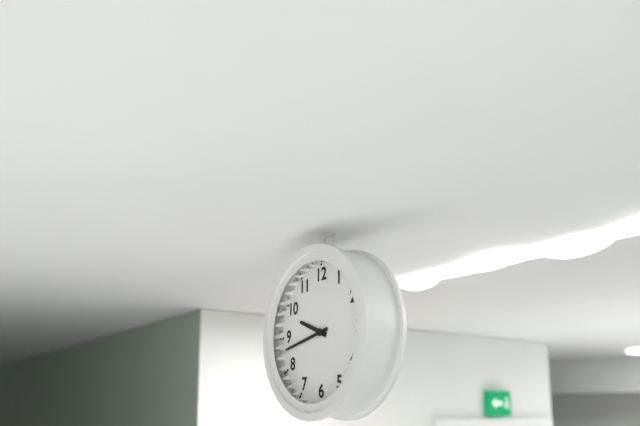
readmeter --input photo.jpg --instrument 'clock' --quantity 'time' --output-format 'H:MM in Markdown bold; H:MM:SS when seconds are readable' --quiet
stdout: **9:43**
